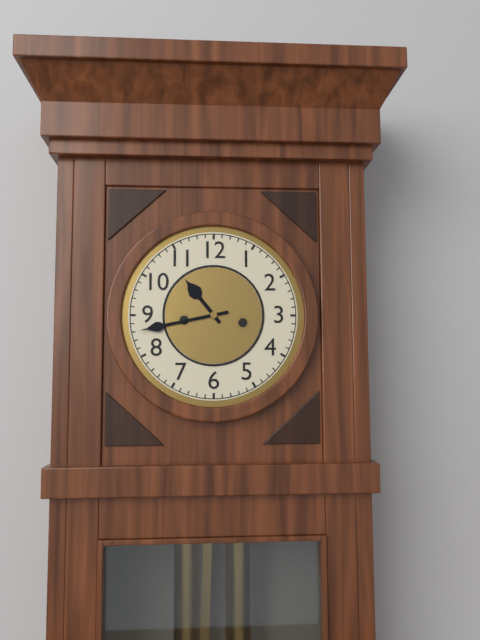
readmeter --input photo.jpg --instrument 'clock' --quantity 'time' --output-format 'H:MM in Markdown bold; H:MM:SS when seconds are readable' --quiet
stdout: **10:43**
